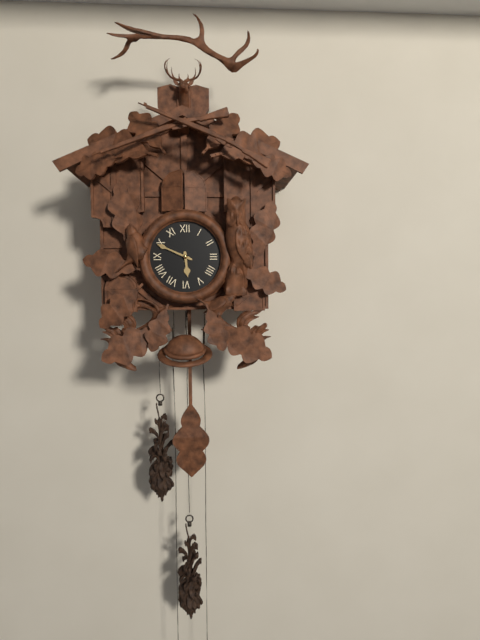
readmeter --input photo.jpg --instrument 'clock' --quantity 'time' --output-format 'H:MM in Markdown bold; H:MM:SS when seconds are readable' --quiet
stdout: **5:49**
